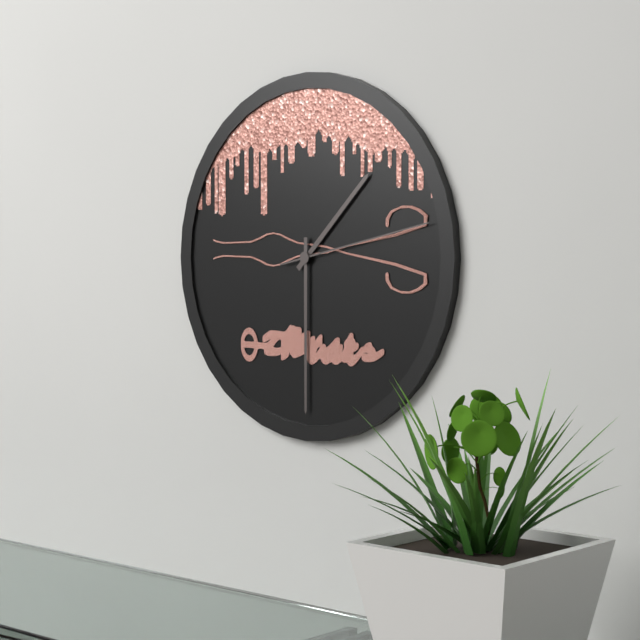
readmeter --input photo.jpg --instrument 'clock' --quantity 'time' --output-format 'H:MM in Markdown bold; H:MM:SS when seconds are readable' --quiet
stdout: **1:30:13**
